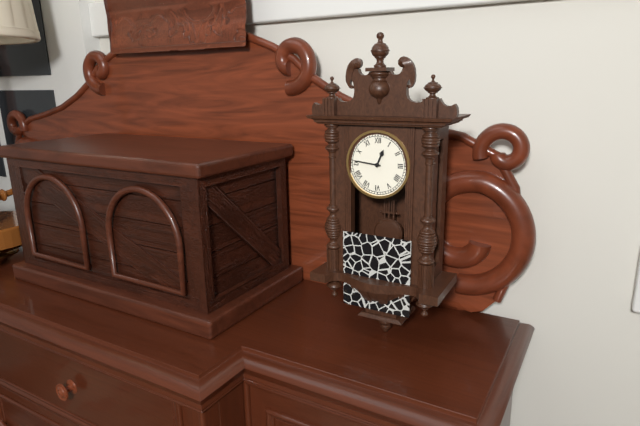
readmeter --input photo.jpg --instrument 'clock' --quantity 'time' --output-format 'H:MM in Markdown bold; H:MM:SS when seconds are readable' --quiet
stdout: **12:46**
